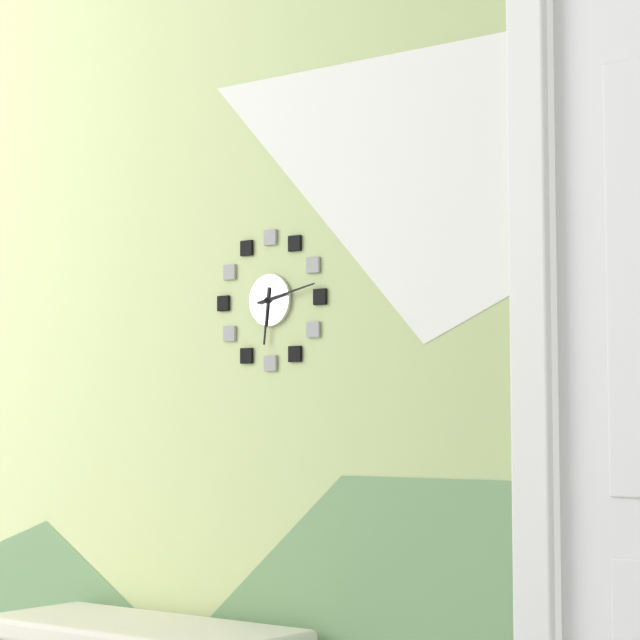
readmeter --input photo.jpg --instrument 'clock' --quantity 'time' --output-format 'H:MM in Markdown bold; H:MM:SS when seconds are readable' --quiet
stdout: **6:13**
